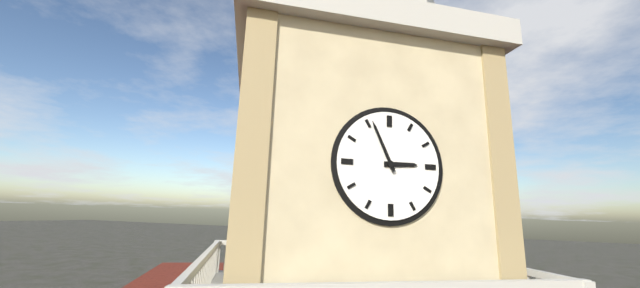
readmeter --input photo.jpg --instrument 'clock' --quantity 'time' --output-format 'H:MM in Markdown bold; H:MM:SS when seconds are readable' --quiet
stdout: **2:56**
